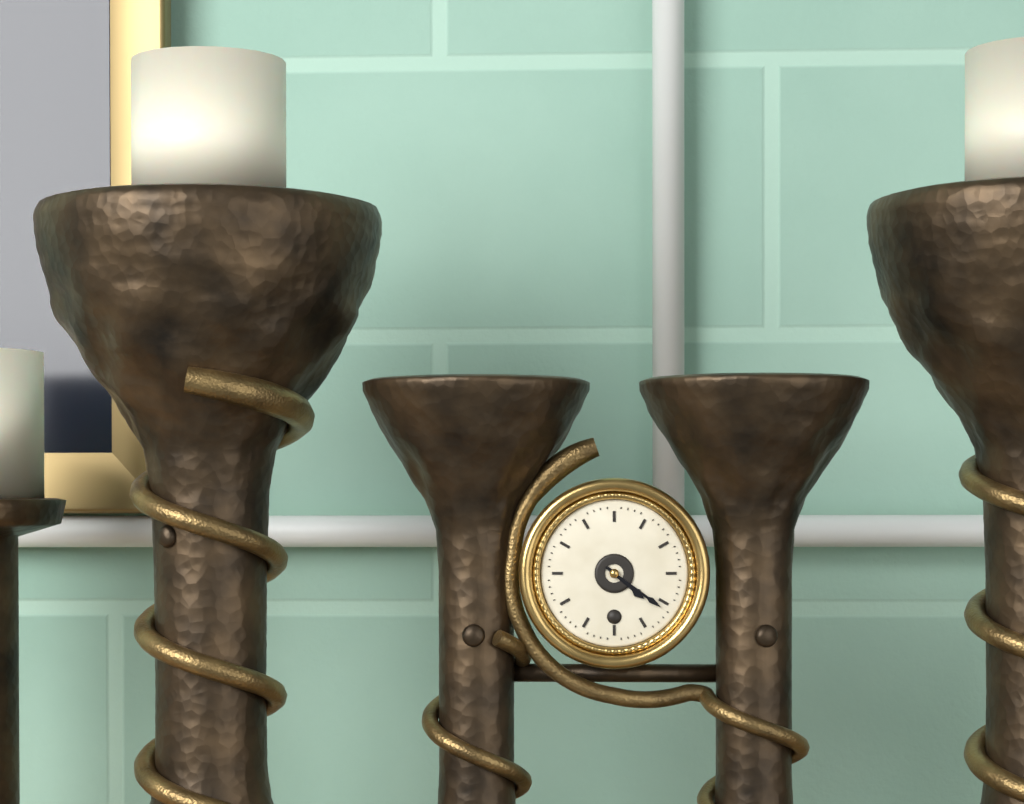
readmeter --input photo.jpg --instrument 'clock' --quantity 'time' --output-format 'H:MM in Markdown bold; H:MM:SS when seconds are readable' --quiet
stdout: **4:21**
